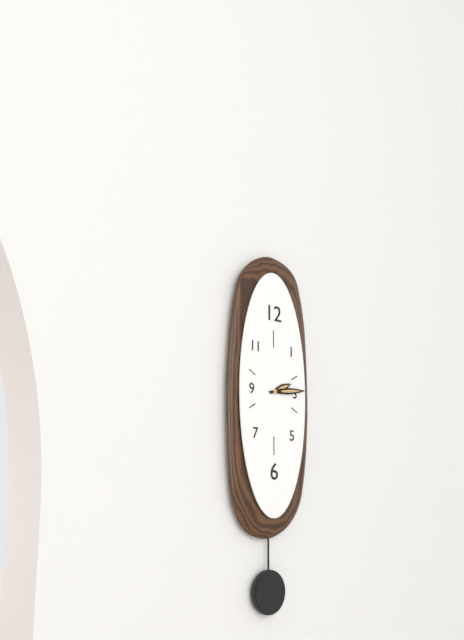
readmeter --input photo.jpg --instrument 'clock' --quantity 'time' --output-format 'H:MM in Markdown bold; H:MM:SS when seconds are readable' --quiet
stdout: **2:14**
